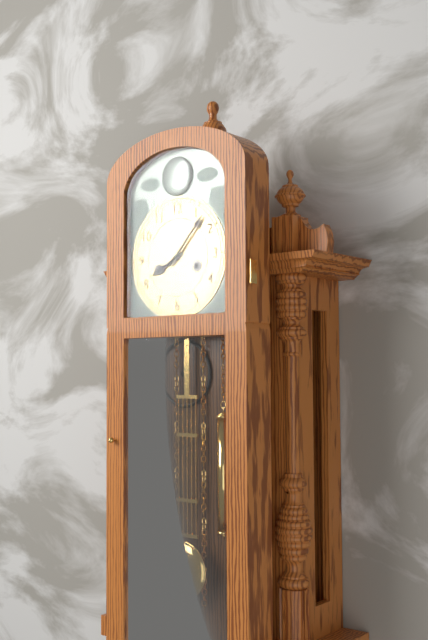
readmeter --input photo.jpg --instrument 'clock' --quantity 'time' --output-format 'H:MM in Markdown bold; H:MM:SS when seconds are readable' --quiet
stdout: **8:07**
